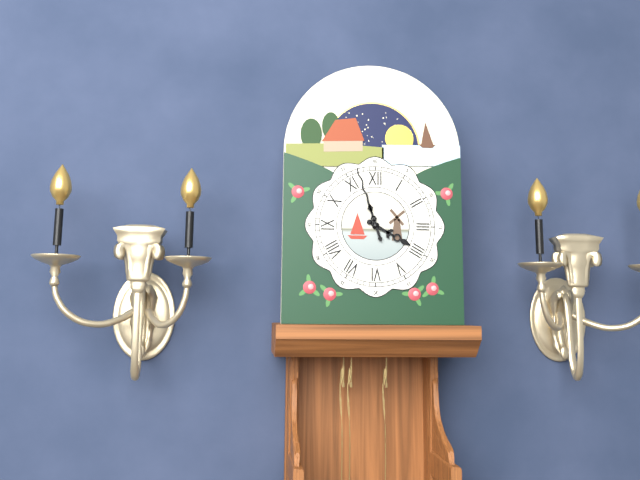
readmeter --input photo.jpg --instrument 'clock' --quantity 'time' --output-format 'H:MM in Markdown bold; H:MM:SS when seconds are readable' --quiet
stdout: **3:57**
